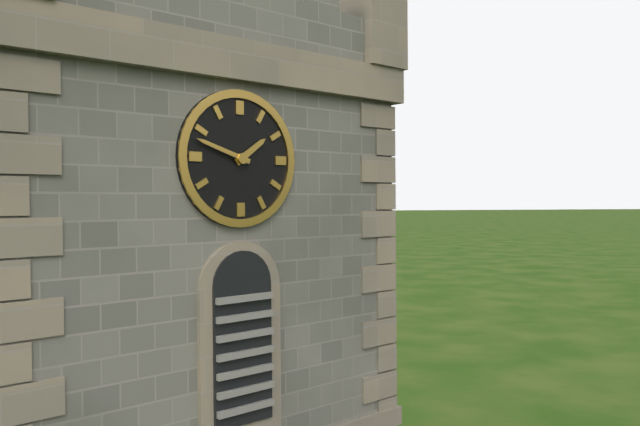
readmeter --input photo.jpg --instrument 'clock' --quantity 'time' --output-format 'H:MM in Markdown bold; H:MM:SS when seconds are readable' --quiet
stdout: **1:48**
